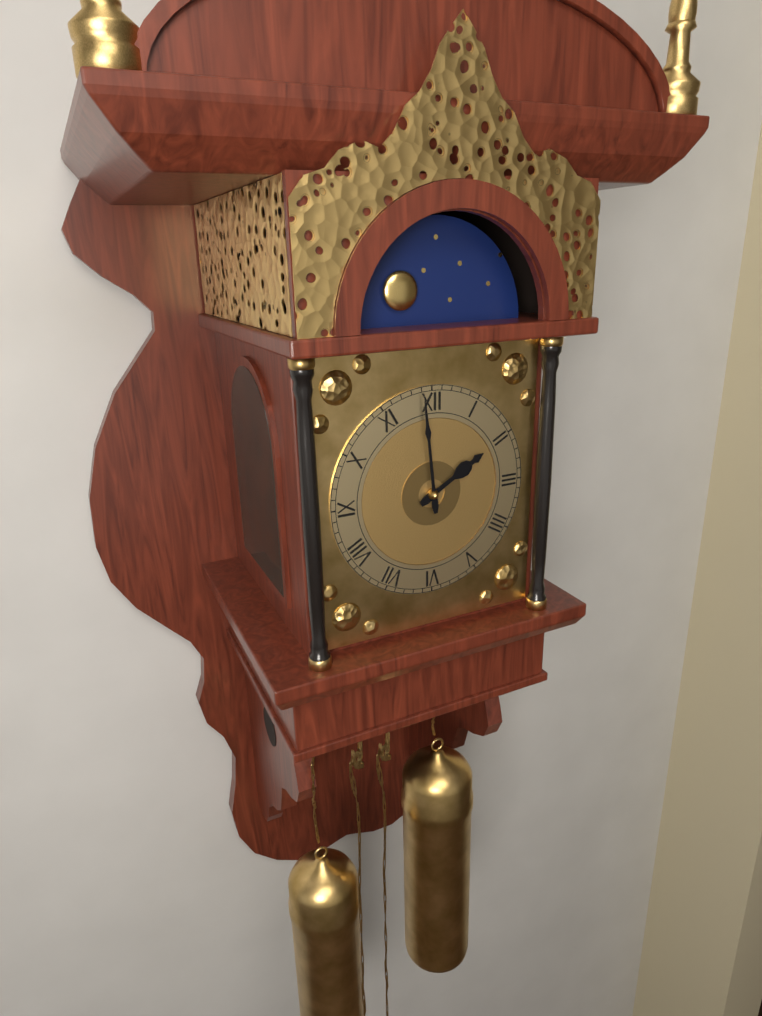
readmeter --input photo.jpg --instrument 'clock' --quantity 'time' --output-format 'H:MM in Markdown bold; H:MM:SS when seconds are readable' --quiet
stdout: **1:59**
